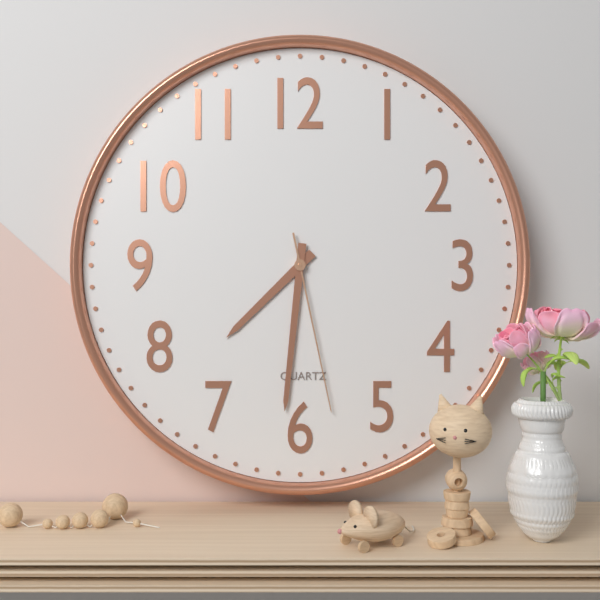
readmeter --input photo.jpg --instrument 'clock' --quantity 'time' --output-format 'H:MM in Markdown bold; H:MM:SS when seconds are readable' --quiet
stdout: **7:31:28**
